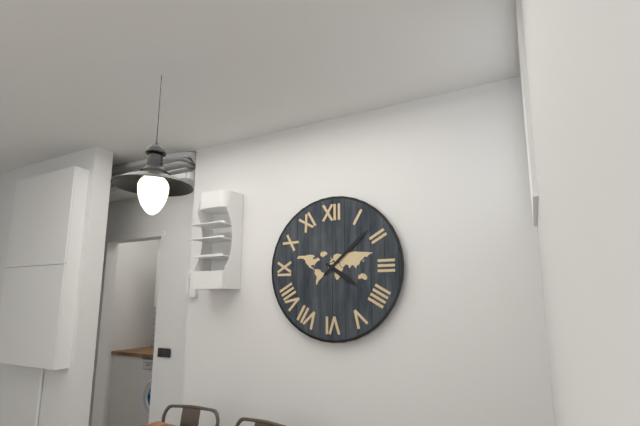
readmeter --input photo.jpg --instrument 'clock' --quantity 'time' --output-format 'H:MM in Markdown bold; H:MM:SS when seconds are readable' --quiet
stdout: **4:08**
